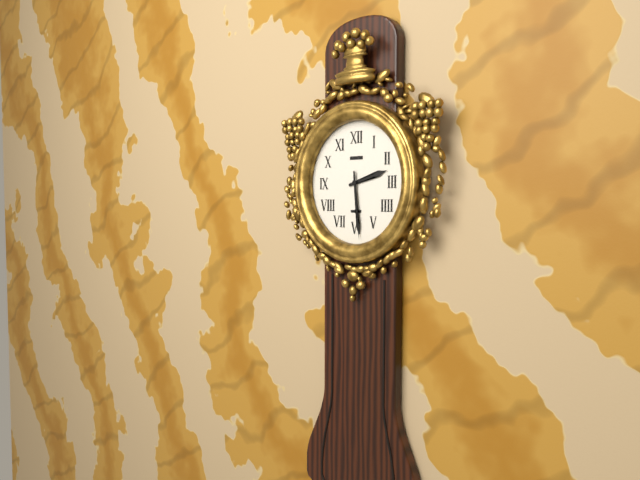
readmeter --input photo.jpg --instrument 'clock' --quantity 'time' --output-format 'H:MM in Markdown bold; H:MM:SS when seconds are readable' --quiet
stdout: **2:29**
